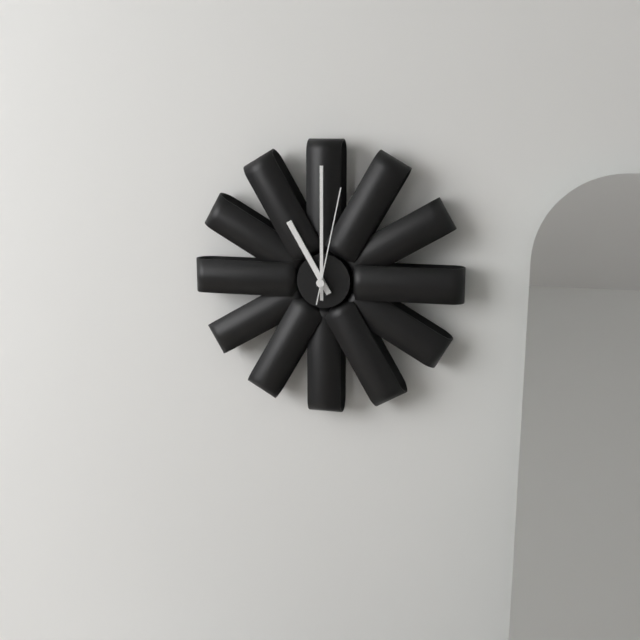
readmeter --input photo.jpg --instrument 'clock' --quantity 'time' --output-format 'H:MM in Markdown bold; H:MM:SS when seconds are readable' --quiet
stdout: **11:00:02**
